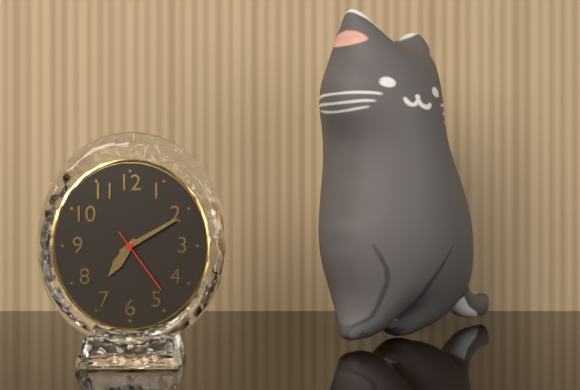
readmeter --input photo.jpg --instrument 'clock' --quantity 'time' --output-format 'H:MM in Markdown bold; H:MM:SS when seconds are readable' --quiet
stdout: **7:10:24**
